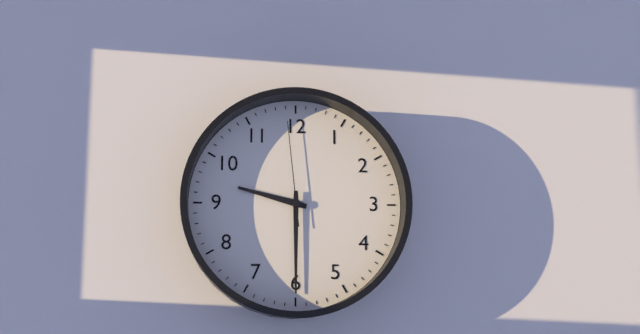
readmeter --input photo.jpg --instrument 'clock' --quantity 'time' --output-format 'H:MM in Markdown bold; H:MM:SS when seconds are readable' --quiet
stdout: **9:30:59**
